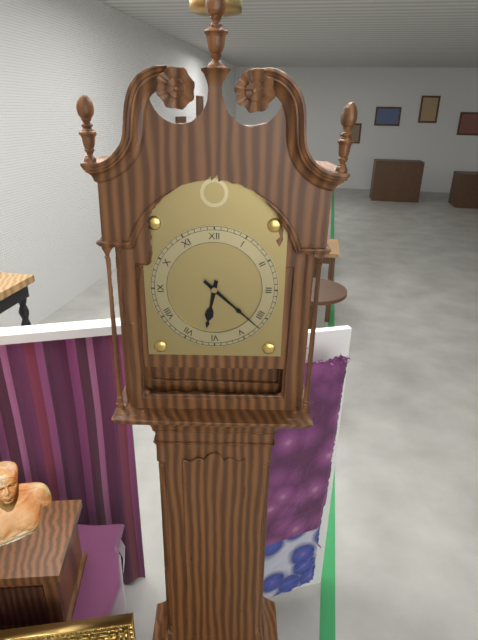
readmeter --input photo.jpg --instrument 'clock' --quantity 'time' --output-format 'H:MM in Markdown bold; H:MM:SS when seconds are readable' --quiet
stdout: **6:22**
